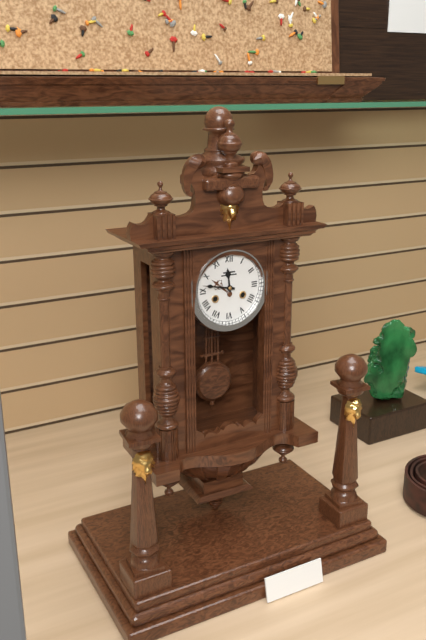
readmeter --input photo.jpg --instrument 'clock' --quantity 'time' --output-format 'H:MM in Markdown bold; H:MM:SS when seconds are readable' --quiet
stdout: **11:47**
